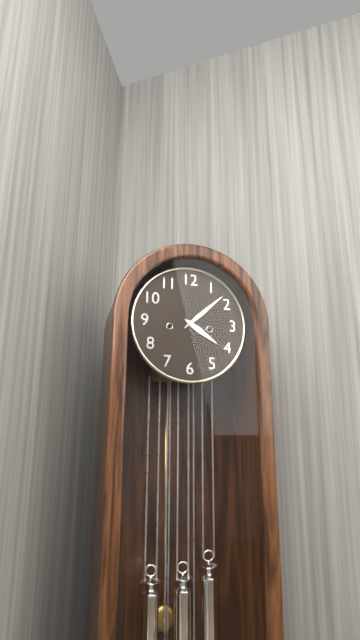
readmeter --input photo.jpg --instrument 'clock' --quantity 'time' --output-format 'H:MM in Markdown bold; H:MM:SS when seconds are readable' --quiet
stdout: **4:08**
